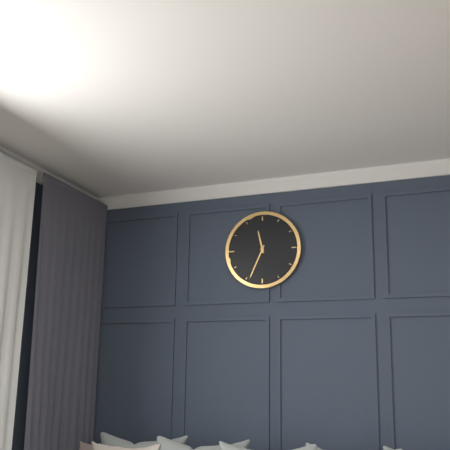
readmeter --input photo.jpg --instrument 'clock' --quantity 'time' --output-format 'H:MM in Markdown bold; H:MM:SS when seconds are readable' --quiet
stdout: **11:34**
